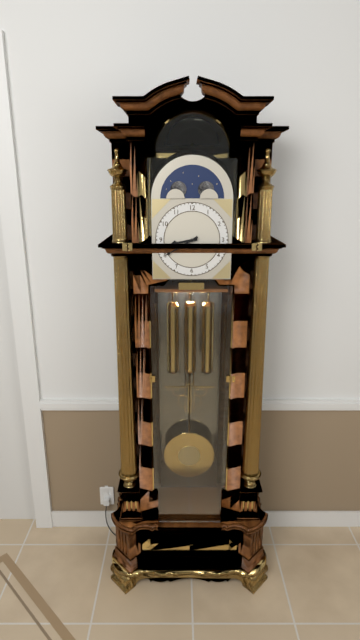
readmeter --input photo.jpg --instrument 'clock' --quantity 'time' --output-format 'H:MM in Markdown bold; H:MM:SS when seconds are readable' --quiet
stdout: **8:40**
